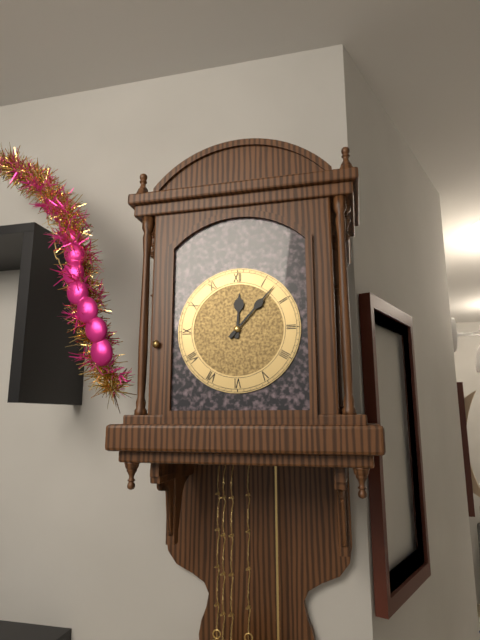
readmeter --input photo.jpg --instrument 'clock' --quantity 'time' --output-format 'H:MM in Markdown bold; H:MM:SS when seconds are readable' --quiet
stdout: **12:07**
